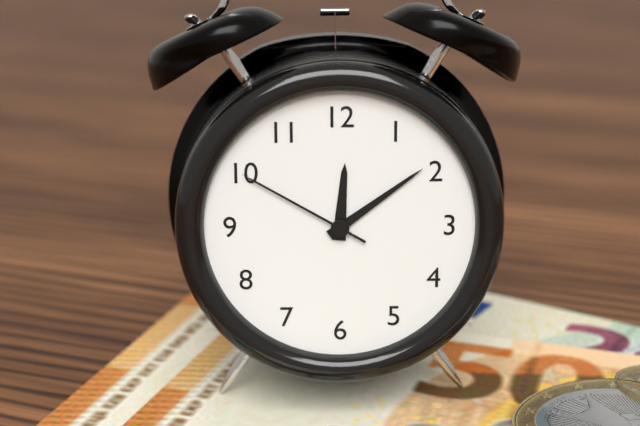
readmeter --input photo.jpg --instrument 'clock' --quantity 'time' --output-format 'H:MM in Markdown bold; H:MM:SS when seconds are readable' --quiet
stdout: **12:09:50**
